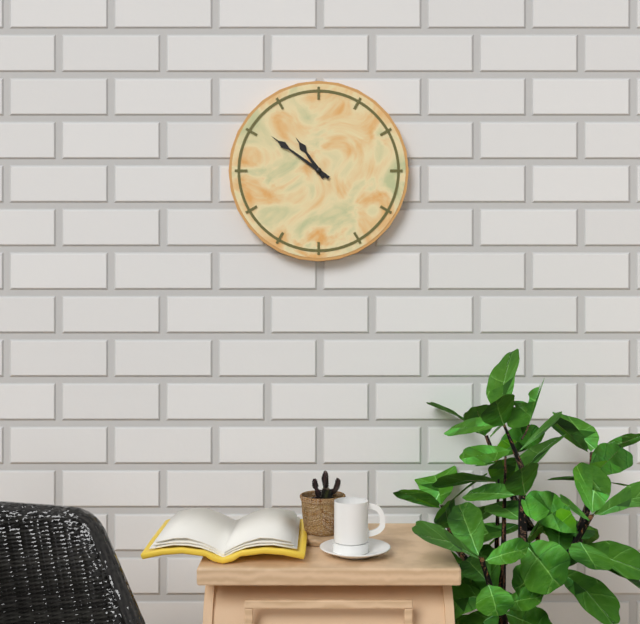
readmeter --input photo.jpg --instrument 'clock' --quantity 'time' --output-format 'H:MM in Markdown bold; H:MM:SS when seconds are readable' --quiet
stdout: **10:51**
